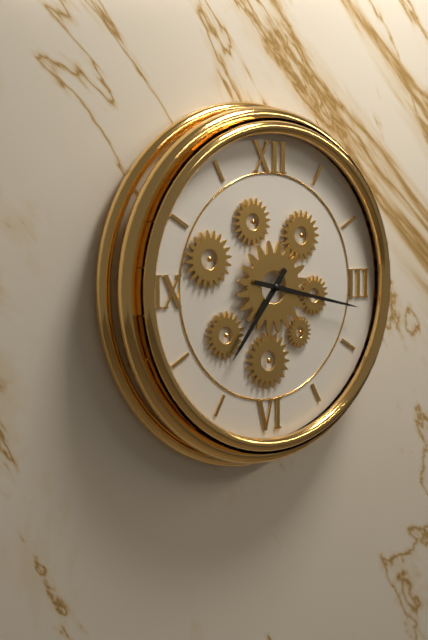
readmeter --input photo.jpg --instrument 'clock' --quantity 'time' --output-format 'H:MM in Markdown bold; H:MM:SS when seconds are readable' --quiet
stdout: **7:17**
